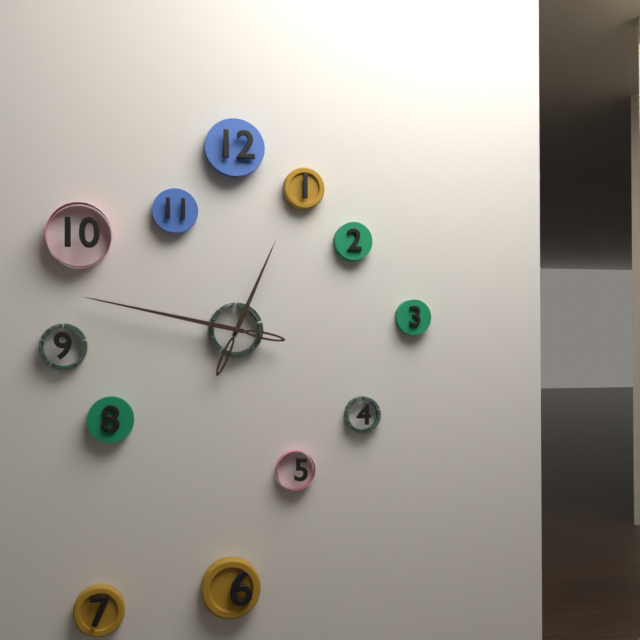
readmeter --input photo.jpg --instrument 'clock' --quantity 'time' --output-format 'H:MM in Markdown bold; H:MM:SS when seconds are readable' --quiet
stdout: **12:47**
